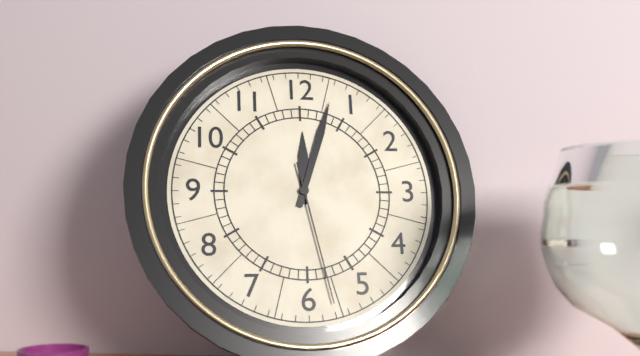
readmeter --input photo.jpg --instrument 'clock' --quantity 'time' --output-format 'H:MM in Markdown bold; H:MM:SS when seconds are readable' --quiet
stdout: **12:03:28**
